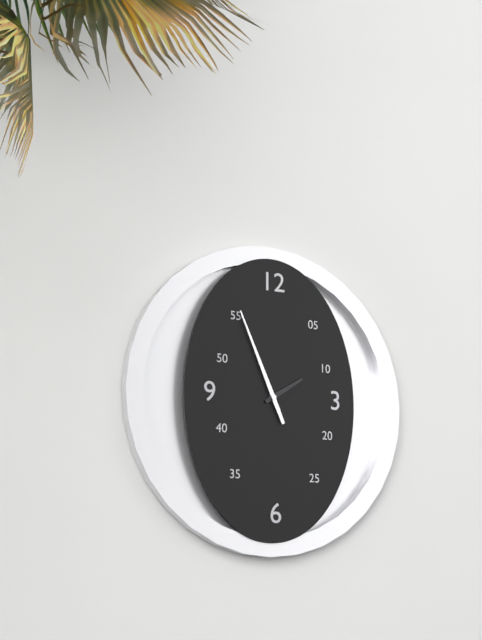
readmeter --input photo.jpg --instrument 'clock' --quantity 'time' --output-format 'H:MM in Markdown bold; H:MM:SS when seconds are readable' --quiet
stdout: **1:56**
